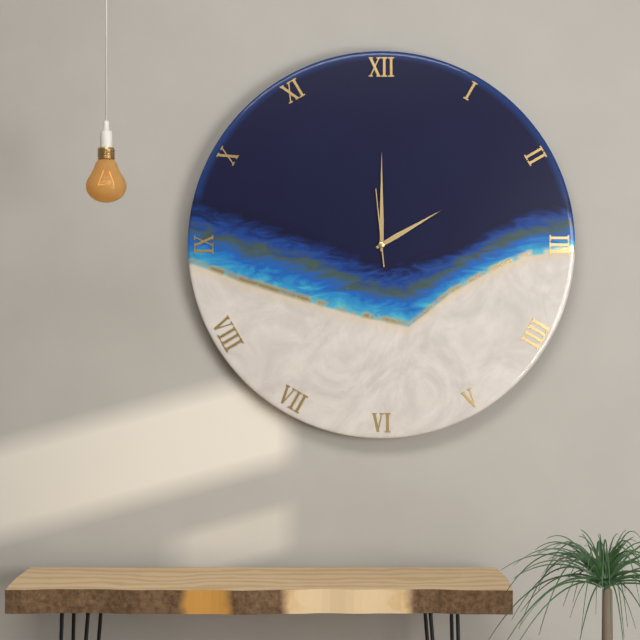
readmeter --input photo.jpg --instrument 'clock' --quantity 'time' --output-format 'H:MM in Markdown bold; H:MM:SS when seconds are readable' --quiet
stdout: **2:00:59**
